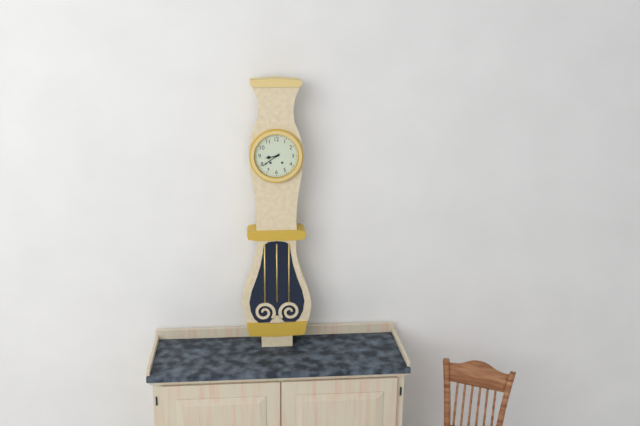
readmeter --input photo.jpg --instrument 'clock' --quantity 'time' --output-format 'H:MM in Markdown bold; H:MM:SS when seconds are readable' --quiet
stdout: **8:39**
